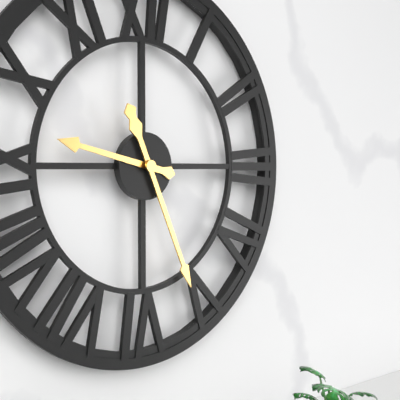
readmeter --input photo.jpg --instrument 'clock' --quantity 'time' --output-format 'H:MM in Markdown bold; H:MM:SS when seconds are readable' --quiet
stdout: **9:26**
